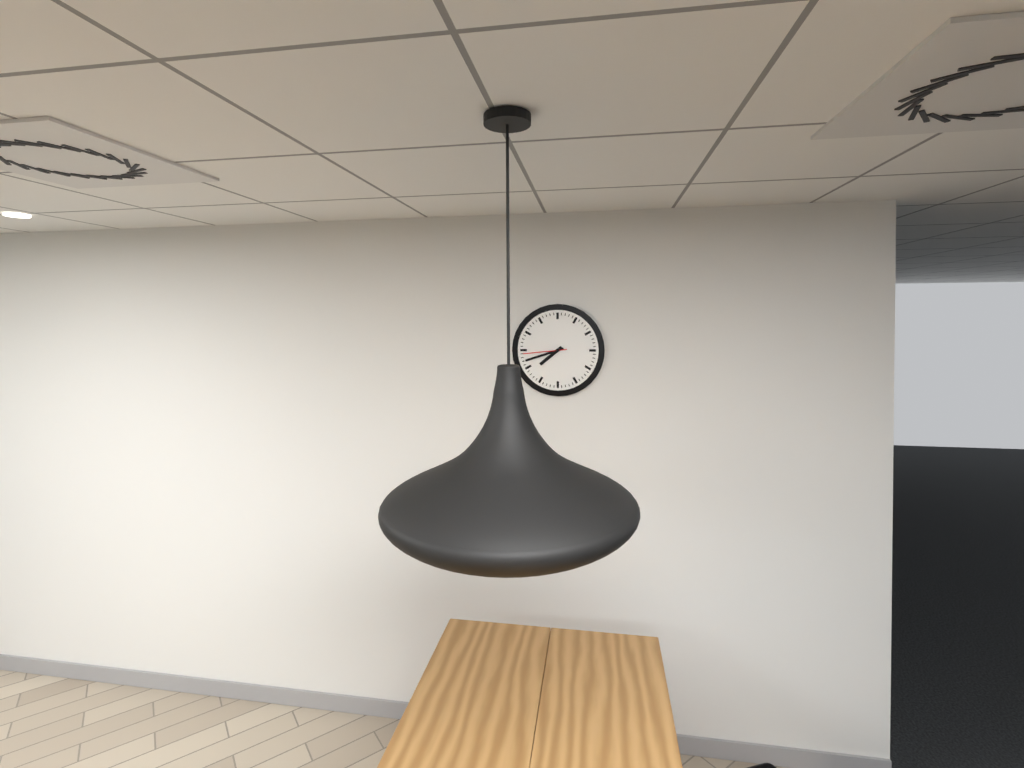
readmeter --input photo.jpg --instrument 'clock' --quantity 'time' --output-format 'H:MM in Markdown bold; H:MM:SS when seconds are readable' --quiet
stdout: **7:42**
